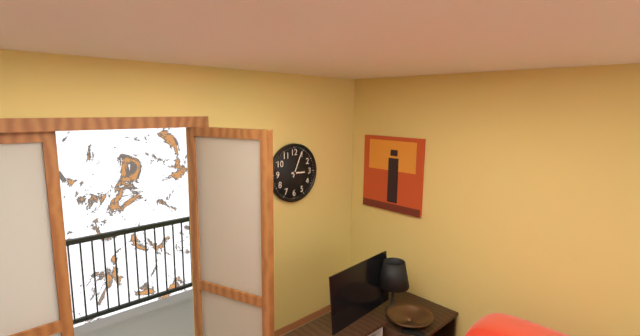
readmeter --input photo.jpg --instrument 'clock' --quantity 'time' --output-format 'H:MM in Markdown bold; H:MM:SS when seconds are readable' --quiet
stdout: **3:04**
